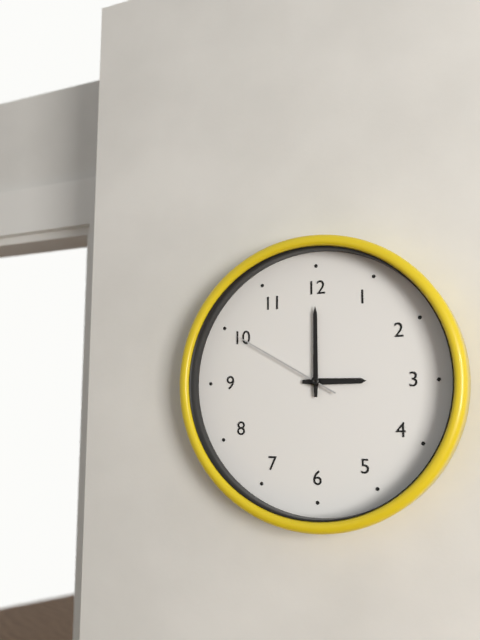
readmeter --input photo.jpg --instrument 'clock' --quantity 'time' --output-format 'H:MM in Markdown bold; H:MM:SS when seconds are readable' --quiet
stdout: **3:00:50**
